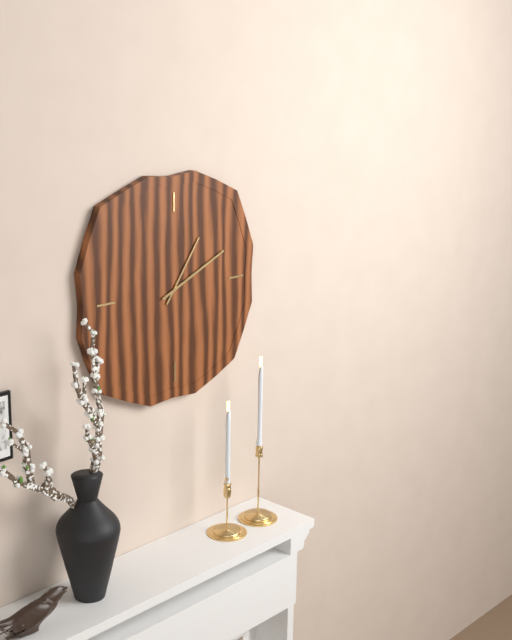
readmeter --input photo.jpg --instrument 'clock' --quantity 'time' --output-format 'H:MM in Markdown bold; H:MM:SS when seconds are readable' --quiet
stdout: **1:11**
